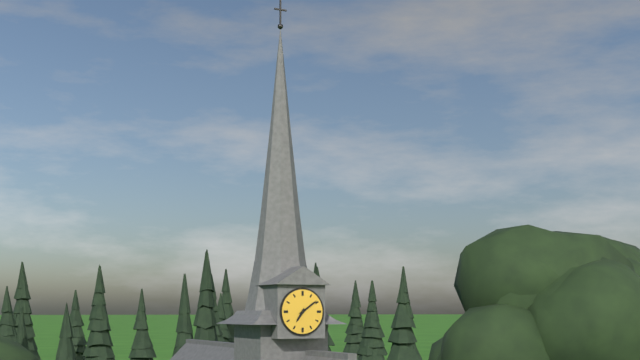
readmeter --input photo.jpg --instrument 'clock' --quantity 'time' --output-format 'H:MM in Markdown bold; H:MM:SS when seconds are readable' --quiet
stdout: **7:09**
